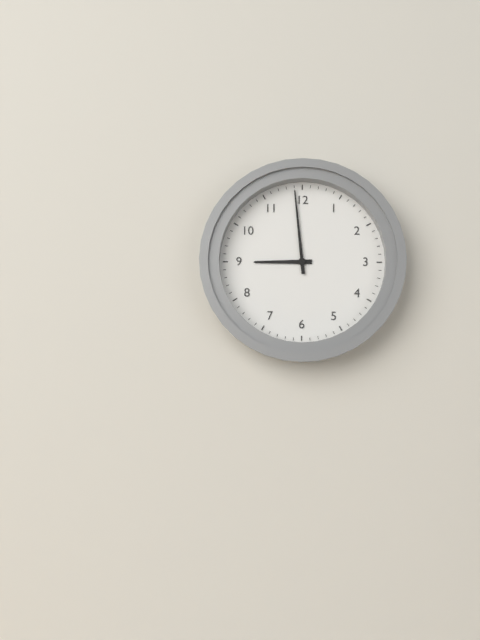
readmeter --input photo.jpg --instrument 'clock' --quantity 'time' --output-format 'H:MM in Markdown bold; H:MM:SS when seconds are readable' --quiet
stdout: **8:59**
